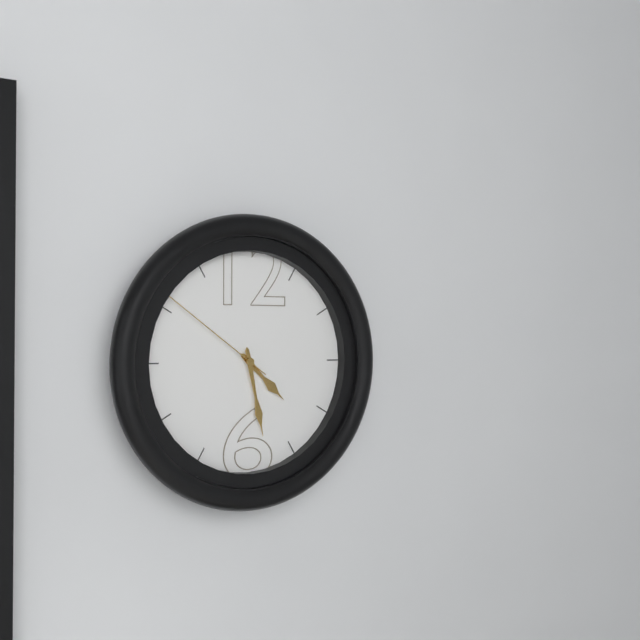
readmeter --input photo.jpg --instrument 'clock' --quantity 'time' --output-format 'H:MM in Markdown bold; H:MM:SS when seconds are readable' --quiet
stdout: **4:28:51**
